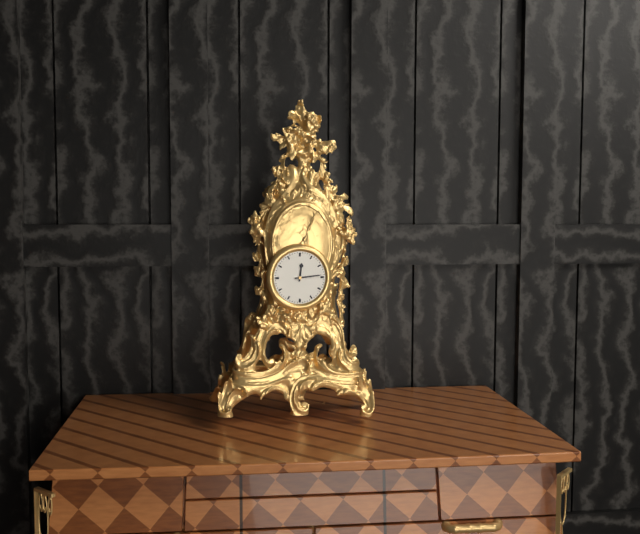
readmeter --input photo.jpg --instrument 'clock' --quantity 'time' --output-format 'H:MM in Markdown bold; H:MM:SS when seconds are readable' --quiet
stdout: **12:14**
